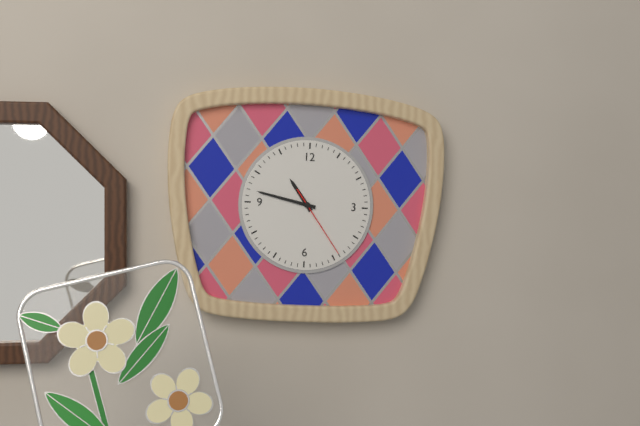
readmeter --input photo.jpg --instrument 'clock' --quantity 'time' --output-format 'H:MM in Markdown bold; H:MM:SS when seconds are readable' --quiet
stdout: **10:47:24**
